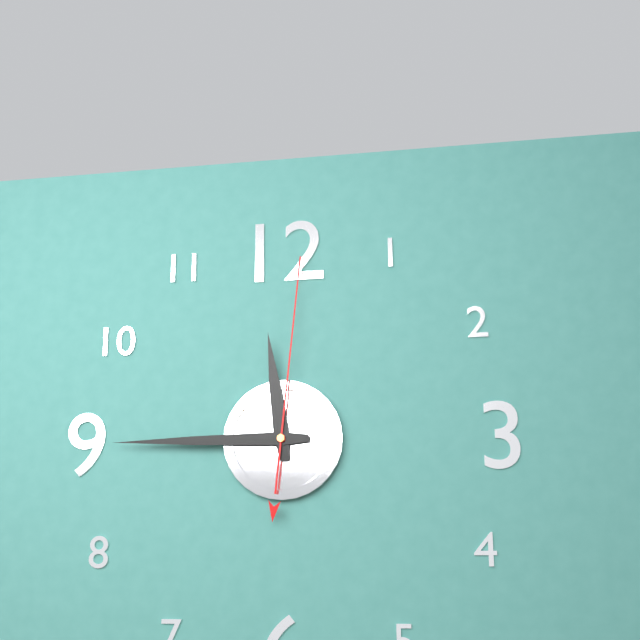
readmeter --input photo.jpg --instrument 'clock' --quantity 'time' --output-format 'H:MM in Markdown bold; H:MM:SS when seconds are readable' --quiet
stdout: **11:45:01**
